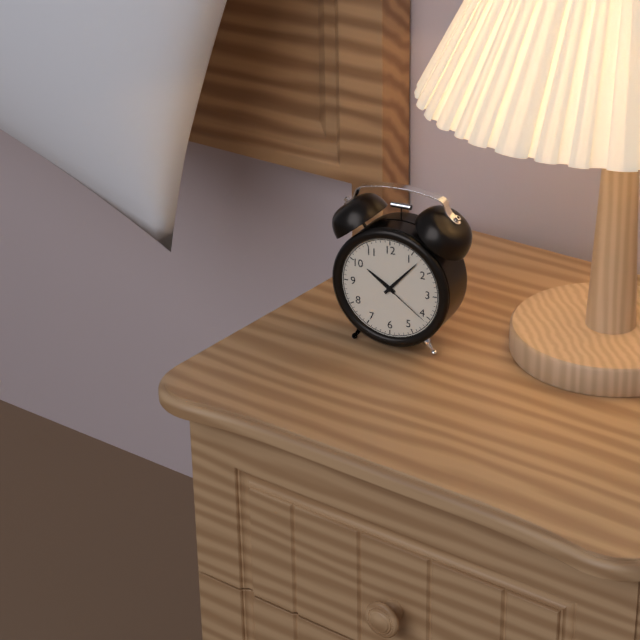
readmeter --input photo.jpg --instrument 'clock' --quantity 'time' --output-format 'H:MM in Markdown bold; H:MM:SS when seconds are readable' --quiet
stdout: **10:07:21**
